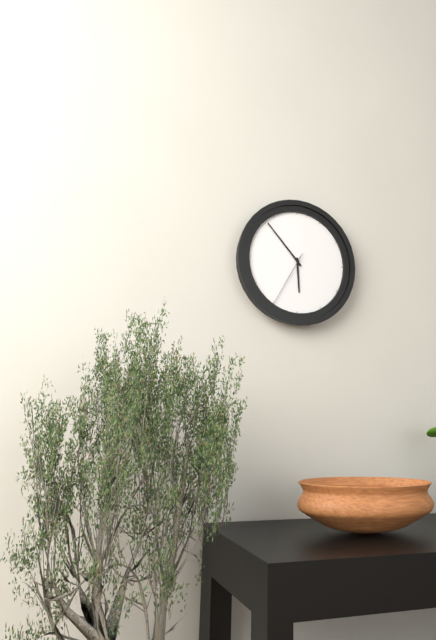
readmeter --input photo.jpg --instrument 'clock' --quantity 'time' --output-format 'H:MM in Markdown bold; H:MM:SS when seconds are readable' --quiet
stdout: **5:53:35**
